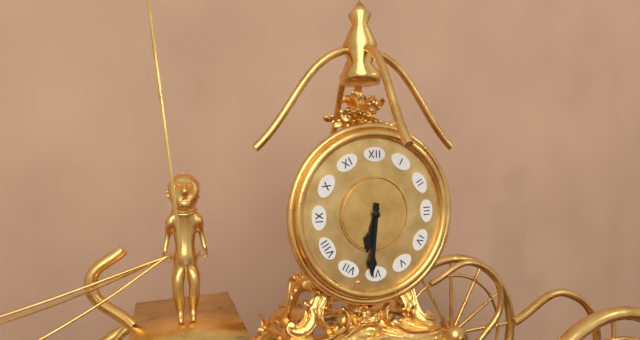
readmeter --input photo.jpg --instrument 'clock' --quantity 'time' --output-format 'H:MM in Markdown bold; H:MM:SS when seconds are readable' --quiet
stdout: **6:31**
